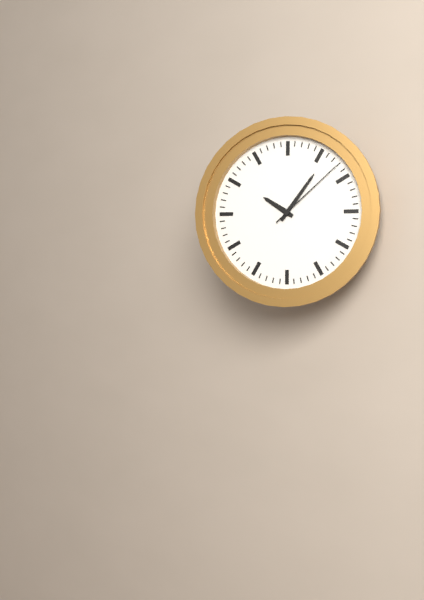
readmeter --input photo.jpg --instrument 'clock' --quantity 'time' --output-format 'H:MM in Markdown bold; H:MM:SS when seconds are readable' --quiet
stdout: **10:06:08**
